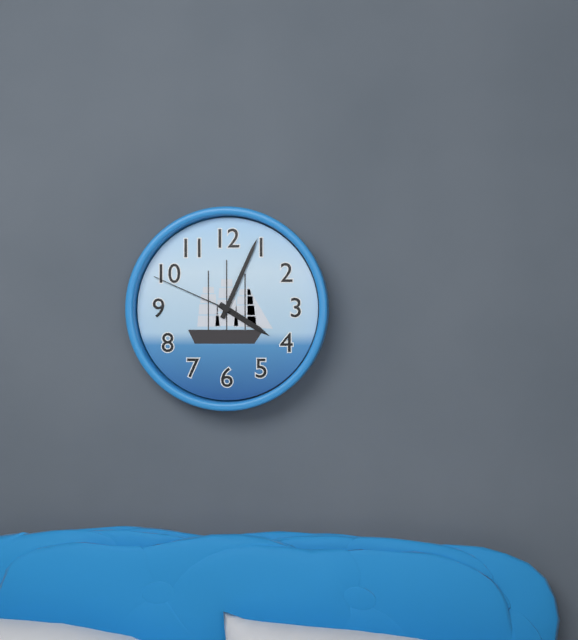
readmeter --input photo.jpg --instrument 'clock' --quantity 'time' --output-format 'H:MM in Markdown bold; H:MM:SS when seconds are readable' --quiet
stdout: **4:04:49**
